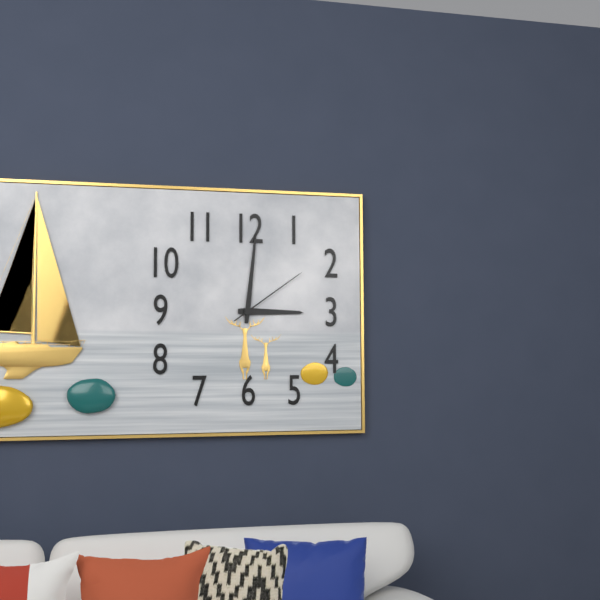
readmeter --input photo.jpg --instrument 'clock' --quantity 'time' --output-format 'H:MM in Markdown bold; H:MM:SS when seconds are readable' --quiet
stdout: **3:01:09**
